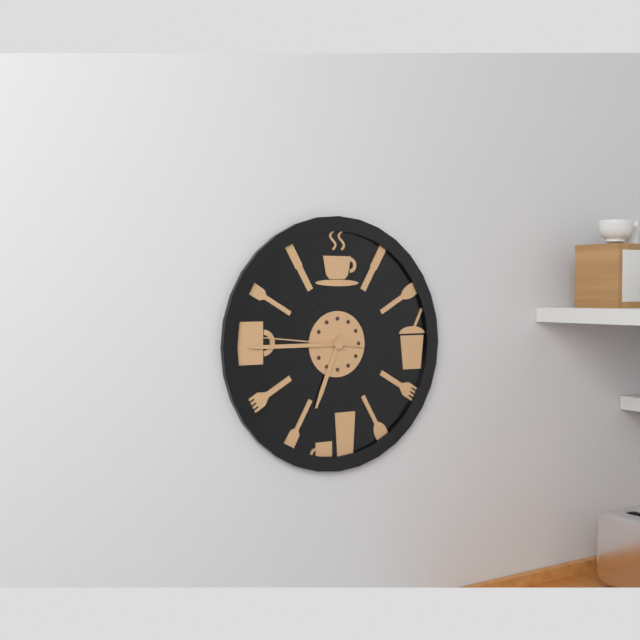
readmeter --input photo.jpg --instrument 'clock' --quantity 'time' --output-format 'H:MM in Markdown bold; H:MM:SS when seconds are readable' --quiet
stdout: **6:45:46**
